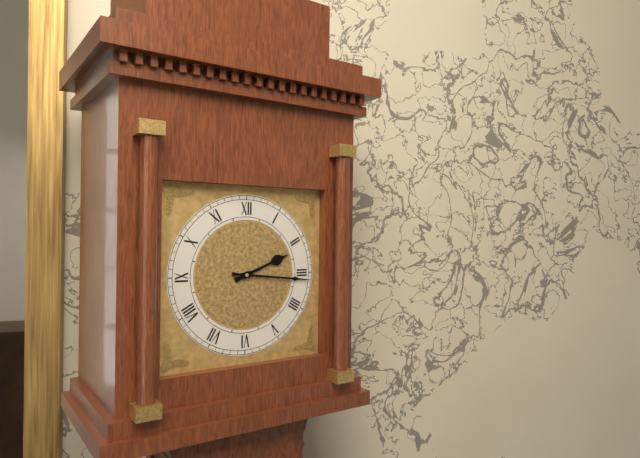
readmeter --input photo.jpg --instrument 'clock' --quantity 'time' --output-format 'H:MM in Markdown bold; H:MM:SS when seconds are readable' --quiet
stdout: **2:16**
